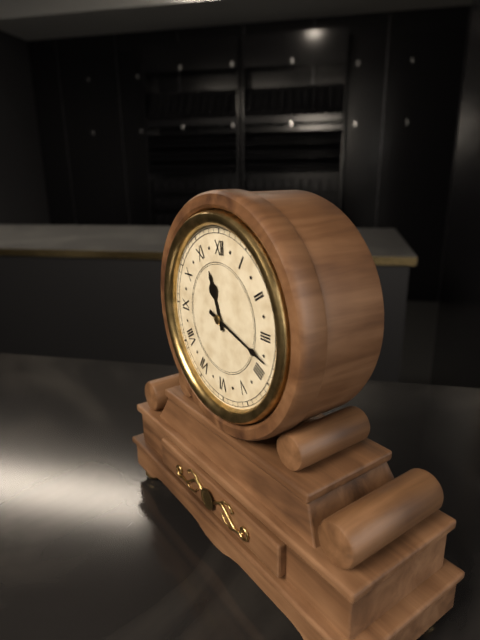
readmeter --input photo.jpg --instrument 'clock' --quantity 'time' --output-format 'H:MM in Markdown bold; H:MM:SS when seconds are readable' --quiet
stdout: **11:18**
